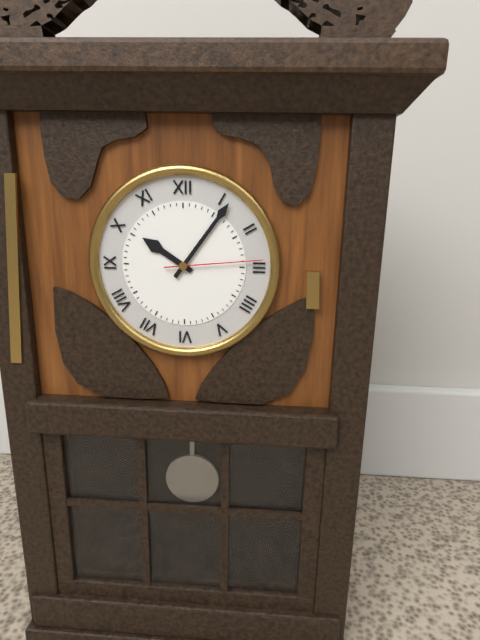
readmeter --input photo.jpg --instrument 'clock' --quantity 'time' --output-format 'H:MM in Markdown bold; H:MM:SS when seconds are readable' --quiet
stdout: **10:06:14**
